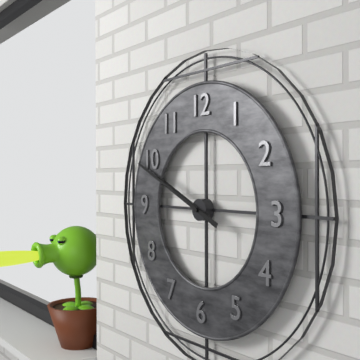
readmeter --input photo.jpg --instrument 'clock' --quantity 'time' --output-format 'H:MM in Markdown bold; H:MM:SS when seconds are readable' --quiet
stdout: **9:49**
